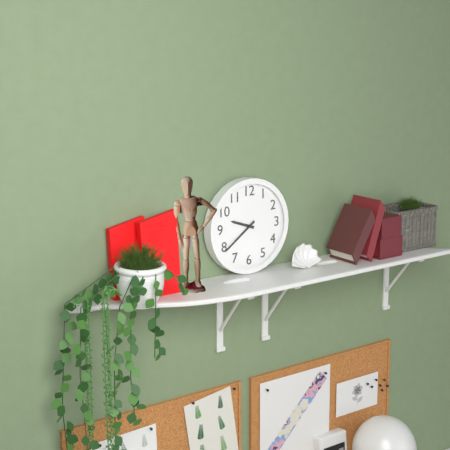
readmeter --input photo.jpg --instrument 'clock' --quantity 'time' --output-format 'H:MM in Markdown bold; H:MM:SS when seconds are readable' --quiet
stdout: **9:39**
